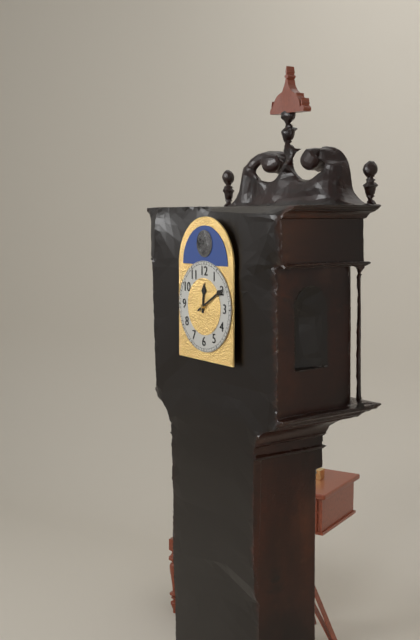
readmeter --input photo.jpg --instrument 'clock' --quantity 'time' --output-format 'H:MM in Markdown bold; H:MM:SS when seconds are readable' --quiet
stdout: **12:10**
